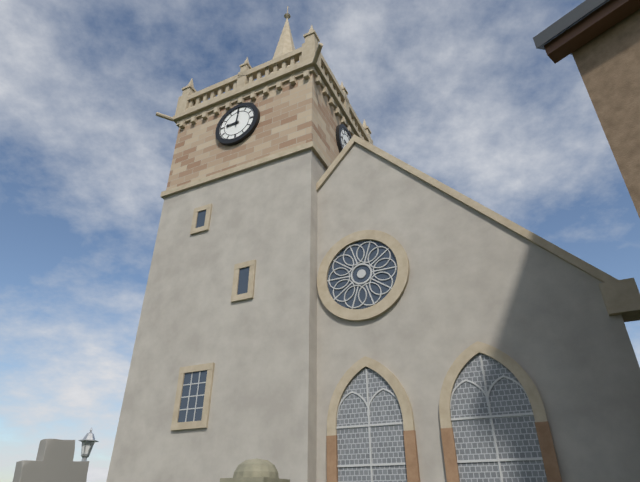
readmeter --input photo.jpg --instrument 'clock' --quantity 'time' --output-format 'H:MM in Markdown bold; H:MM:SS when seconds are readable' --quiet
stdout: **9:01**
